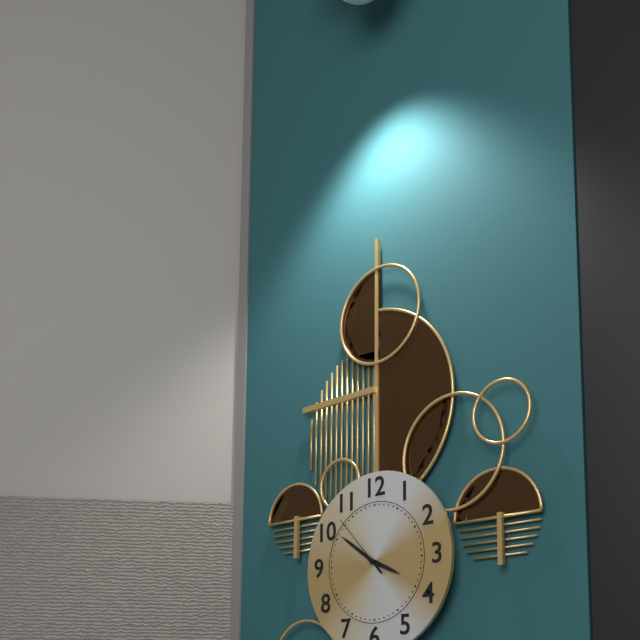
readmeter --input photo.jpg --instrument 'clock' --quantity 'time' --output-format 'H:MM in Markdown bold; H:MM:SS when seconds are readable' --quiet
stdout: **3:51:53**
